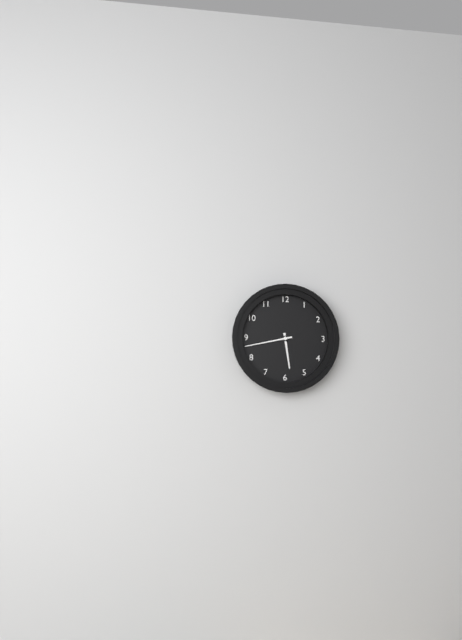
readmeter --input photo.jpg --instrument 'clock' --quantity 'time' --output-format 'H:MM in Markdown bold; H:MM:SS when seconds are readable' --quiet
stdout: **5:43**
